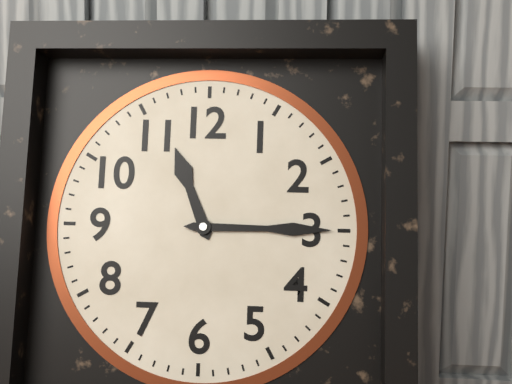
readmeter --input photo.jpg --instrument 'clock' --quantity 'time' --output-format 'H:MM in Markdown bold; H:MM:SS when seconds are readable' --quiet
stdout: **11:15**
